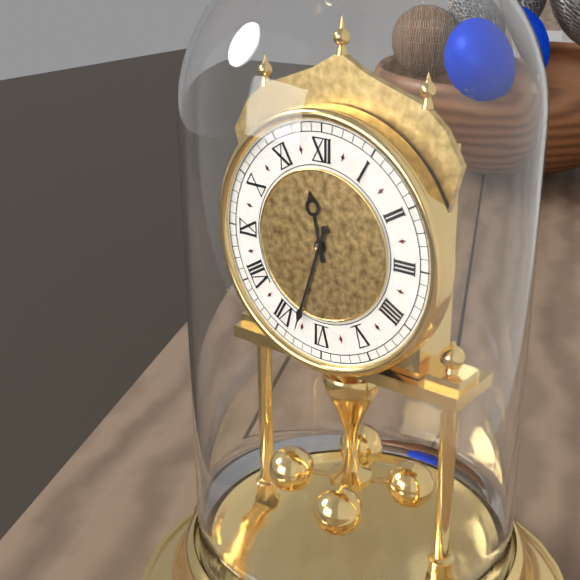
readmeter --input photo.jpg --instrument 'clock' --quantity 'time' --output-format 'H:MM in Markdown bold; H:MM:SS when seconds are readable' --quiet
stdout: **11:33**
